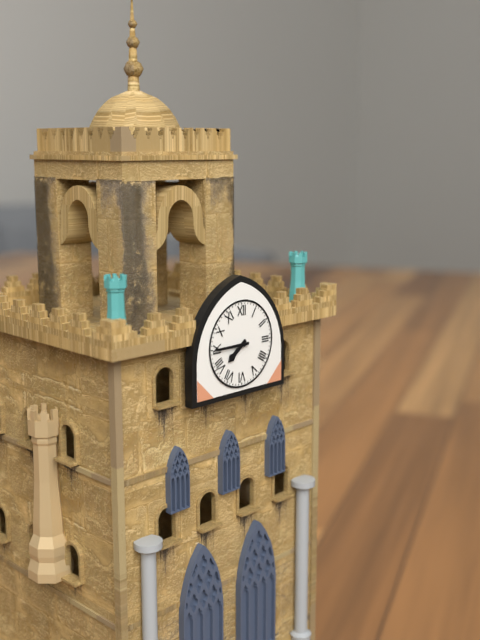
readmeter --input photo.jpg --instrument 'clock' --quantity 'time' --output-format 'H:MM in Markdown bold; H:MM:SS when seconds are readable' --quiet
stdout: **7:45**
